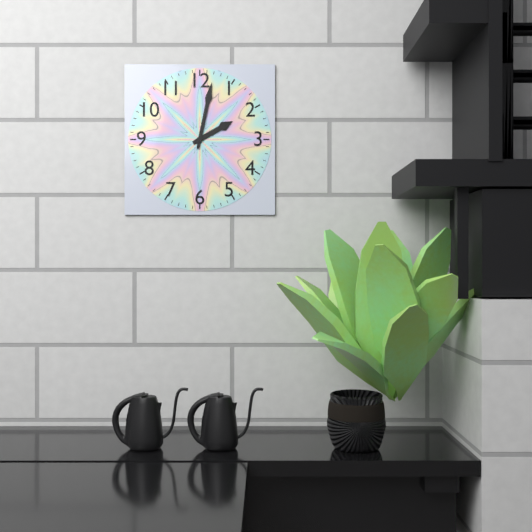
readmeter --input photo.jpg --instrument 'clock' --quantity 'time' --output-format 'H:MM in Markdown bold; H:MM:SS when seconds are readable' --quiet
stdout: **2:02**
